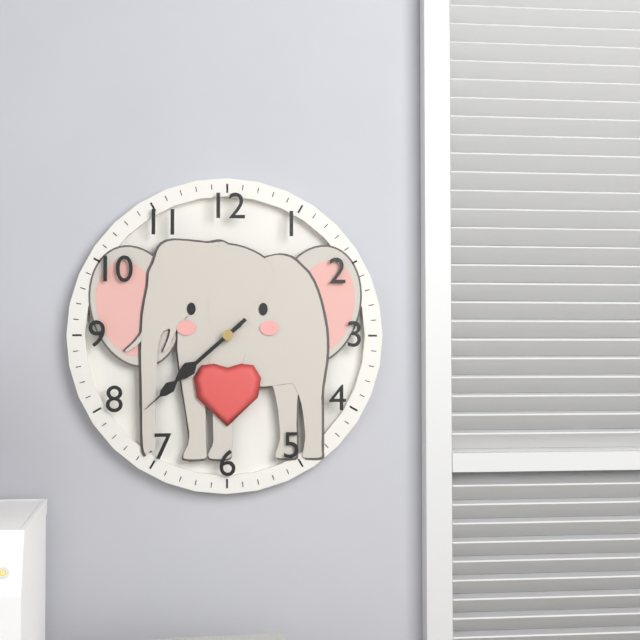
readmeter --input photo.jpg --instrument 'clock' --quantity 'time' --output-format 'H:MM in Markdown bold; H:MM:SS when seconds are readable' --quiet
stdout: **7:38**
